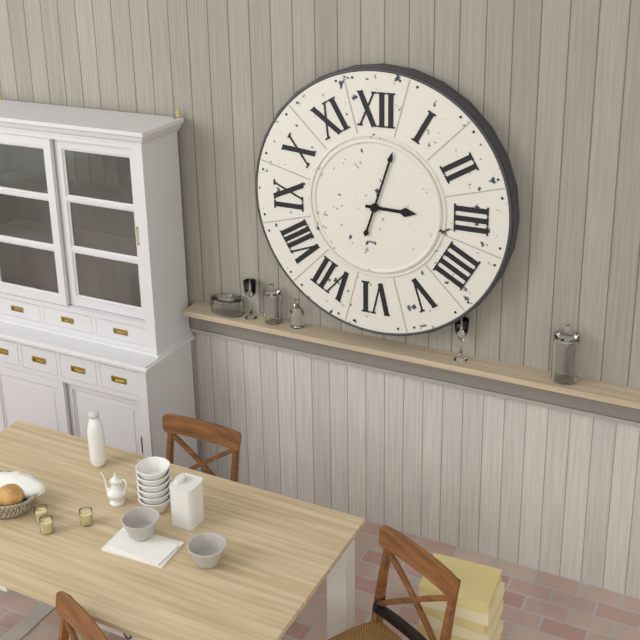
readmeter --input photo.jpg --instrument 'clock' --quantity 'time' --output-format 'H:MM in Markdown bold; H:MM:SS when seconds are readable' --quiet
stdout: **3:03**
